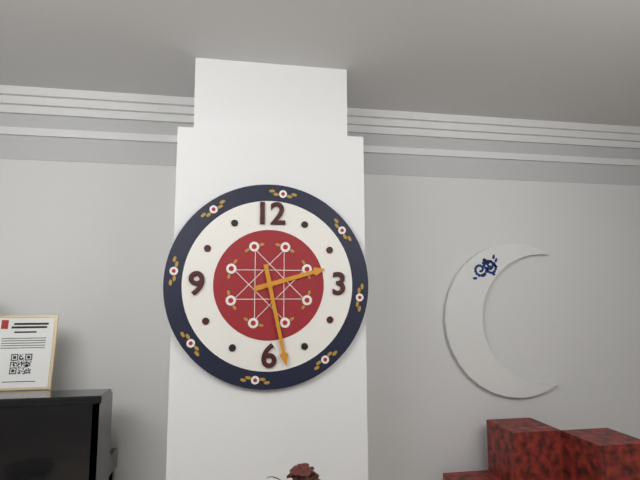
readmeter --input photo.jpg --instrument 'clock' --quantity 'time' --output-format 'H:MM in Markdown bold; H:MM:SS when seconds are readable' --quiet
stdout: **2:28**
